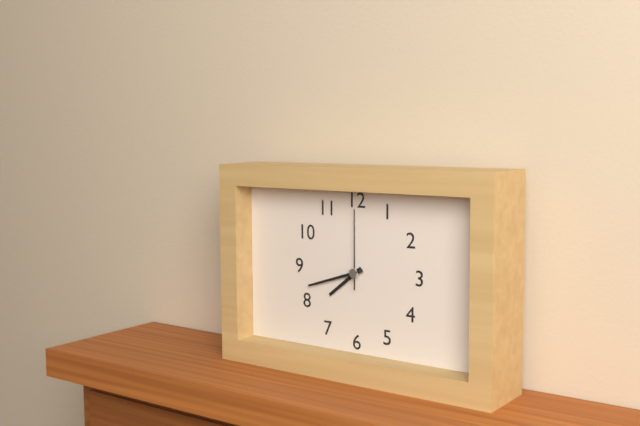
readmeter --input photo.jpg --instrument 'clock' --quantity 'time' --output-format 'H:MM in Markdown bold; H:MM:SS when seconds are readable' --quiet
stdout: **7:42:00**
